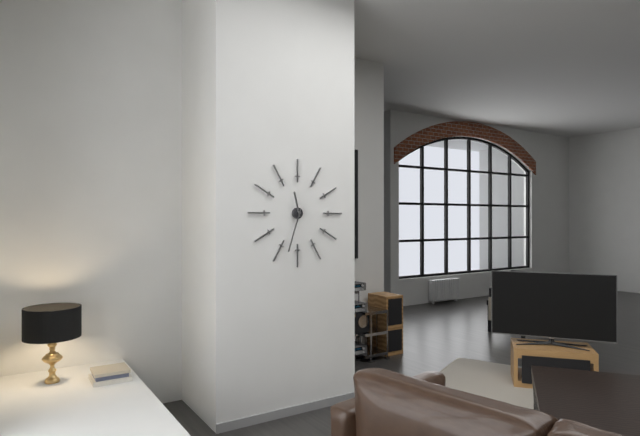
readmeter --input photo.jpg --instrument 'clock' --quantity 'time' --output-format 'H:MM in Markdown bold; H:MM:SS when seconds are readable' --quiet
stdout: **11:33**
